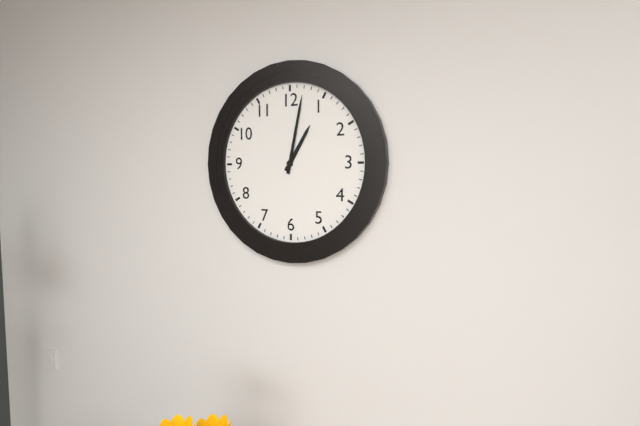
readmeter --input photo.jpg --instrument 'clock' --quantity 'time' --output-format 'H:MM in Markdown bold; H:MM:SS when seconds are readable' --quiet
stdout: **1:02**
